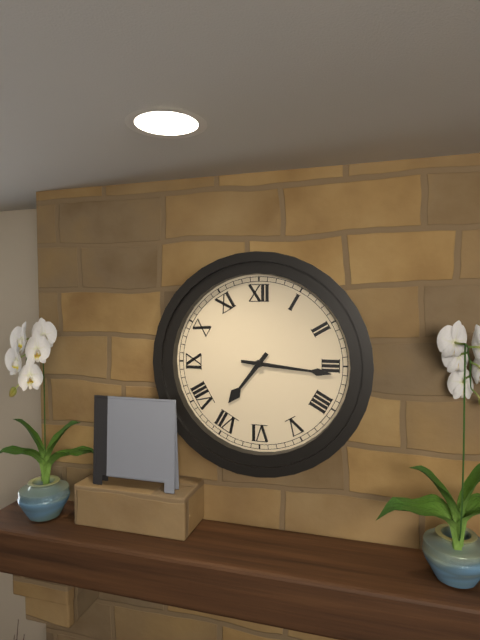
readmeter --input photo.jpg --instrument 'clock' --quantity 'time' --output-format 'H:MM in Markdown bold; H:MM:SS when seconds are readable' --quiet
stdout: **7:16**
